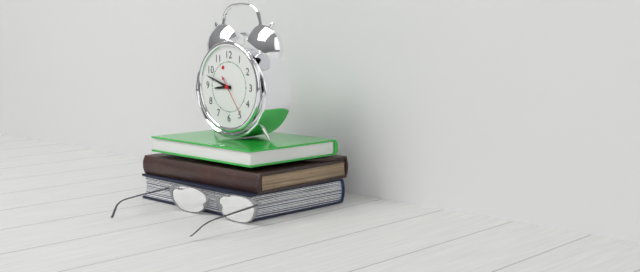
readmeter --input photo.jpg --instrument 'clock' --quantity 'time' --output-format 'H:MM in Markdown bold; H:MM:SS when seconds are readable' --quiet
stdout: **8:48**
